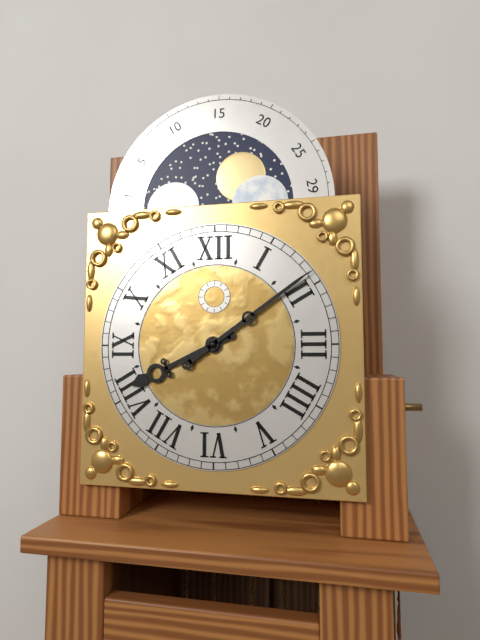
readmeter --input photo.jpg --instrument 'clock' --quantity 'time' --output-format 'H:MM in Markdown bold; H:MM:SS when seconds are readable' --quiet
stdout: **8:09**
